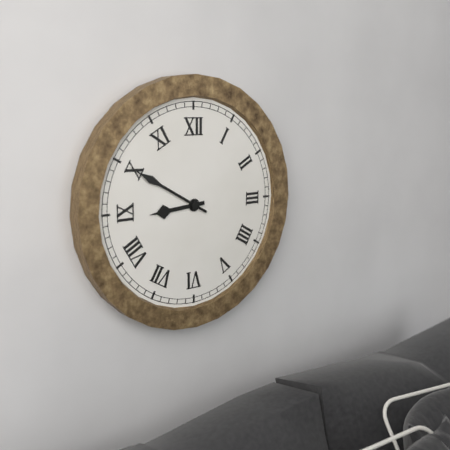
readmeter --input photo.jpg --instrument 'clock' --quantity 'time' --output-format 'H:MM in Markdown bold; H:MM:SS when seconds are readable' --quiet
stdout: **8:50**
